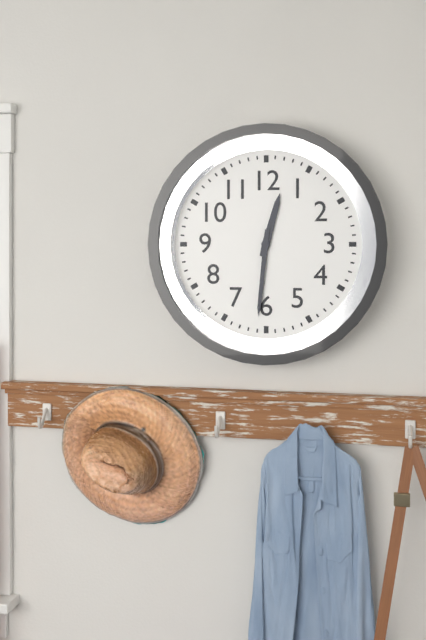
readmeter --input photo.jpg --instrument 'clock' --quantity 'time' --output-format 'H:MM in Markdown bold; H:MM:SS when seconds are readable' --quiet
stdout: **12:31**
